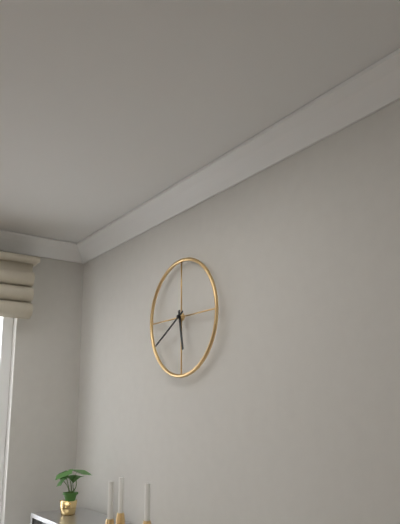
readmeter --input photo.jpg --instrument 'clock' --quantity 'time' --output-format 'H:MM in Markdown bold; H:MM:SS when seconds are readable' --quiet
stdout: **5:40**
